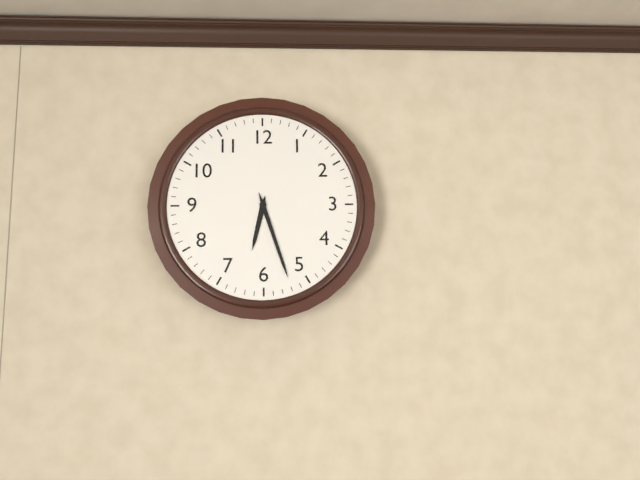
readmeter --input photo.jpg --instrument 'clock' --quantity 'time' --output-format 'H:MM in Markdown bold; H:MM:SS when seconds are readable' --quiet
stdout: **6:27**
